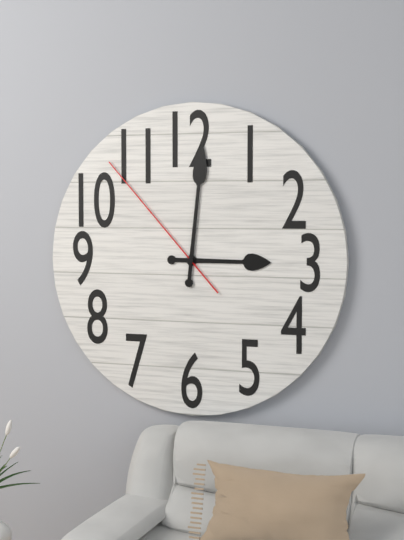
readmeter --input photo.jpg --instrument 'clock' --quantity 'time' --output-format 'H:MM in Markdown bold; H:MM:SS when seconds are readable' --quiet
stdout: **3:01:53**
